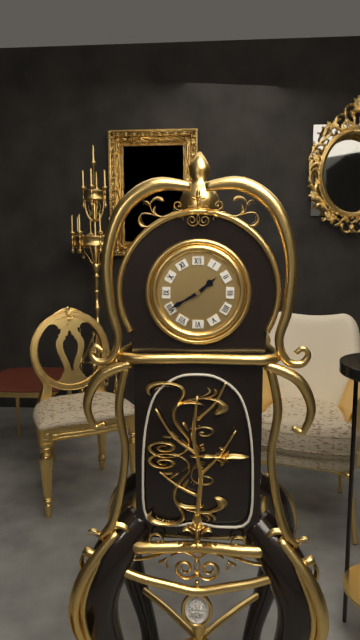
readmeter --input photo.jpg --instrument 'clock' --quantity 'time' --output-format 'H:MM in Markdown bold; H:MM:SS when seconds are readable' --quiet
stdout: **1:40**
